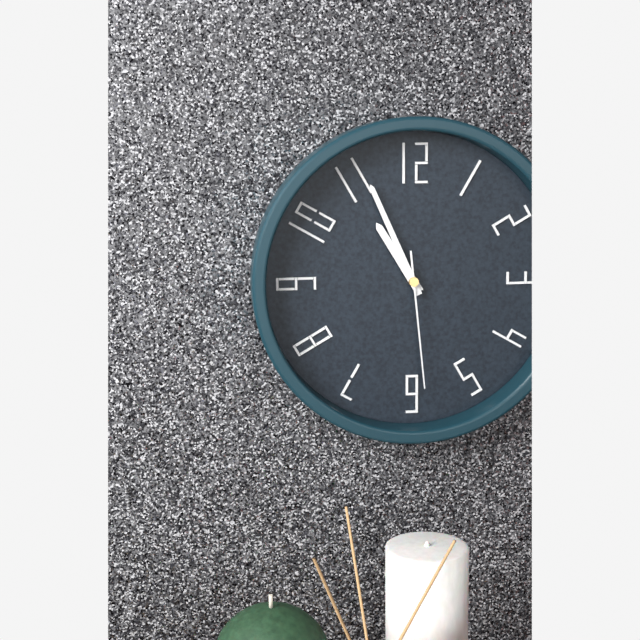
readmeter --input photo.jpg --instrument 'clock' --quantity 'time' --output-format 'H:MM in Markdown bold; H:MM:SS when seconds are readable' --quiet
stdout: **10:56:29**
